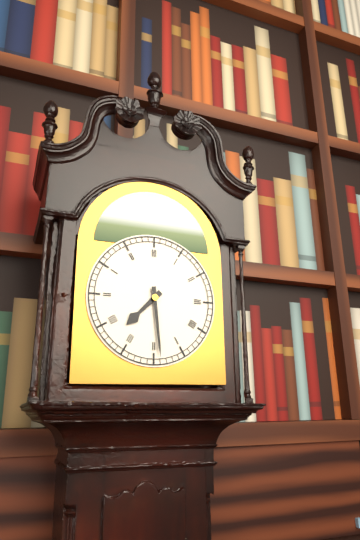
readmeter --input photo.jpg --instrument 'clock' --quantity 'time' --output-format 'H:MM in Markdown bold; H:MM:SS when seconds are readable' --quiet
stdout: **7:29**
